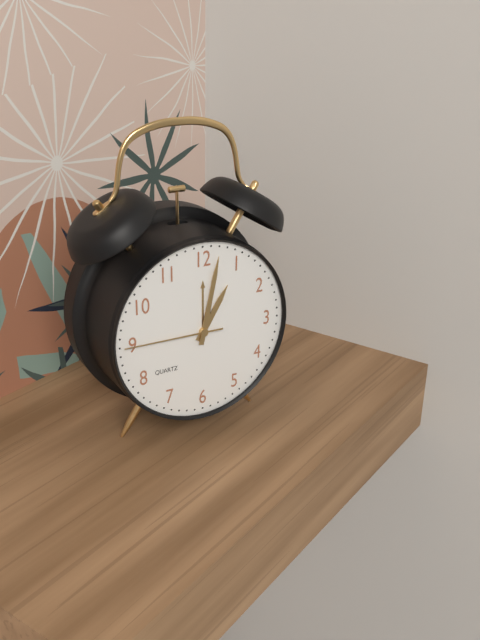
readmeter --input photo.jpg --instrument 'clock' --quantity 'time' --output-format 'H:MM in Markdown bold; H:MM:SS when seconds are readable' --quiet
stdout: **1:02:45**
